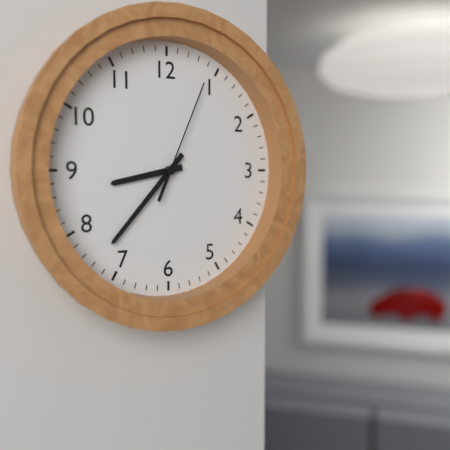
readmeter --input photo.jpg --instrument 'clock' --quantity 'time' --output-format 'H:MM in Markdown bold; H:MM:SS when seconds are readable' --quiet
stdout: **8:37:04**
